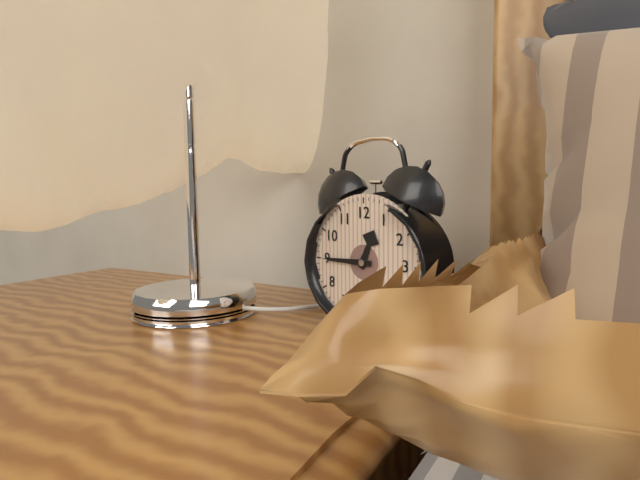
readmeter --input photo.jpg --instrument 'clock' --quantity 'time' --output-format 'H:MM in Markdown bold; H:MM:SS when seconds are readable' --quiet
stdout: **12:45**
